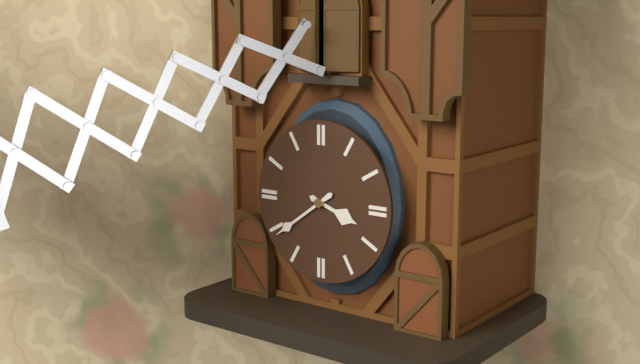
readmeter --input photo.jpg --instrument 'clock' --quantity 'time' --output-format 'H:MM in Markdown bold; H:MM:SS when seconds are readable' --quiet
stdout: **3:39**
